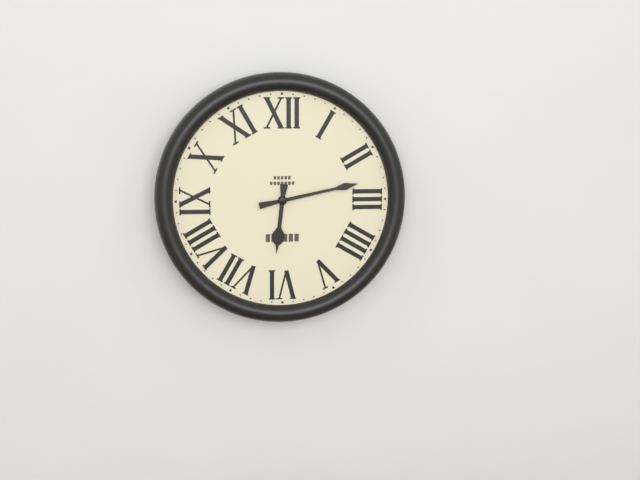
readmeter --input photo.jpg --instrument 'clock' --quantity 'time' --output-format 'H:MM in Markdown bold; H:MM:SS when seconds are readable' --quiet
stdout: **6:13**
